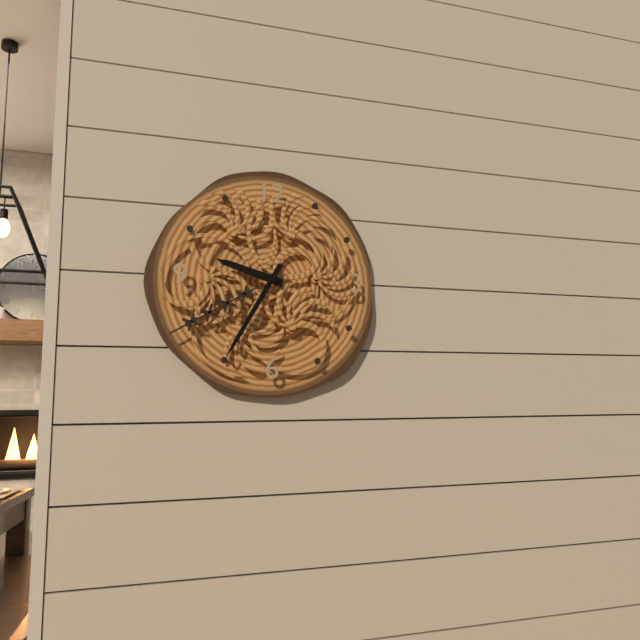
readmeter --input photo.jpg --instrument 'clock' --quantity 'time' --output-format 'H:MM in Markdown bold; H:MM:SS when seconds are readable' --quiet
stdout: **9:35**
